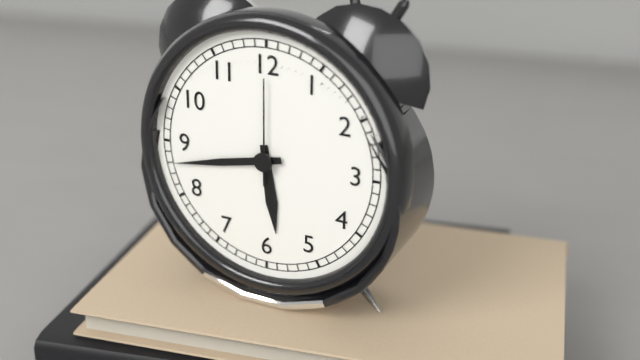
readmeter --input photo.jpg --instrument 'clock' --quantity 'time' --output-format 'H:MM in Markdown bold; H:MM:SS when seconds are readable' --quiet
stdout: **5:43:00**
